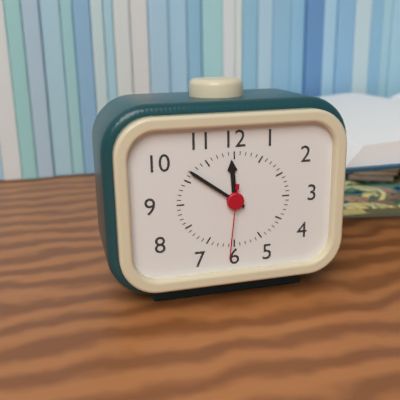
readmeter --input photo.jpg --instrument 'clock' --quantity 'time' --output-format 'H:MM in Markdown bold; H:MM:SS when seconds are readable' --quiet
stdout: **11:51:31**
